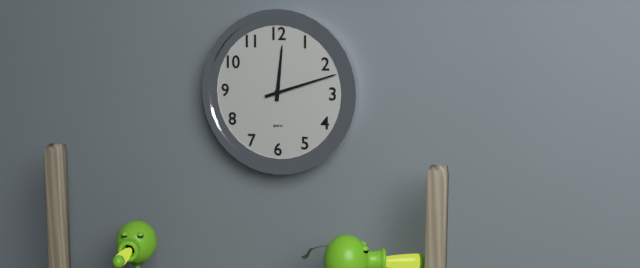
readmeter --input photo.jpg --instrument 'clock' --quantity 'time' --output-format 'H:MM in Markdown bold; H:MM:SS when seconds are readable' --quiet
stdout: **12:12**
